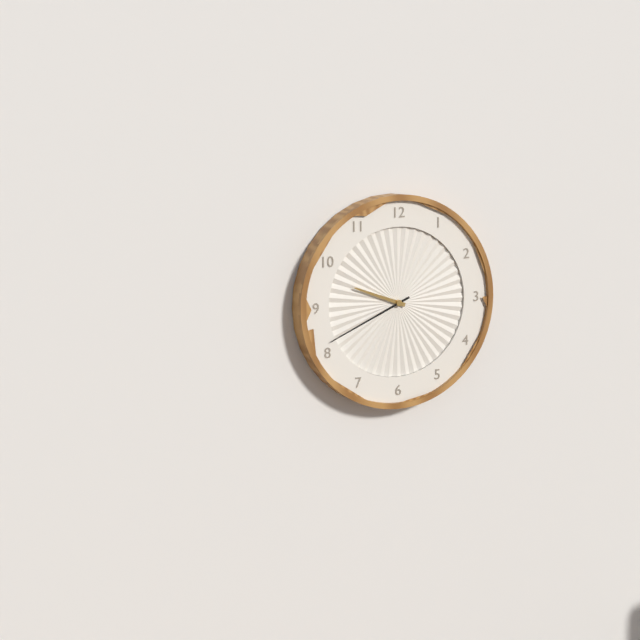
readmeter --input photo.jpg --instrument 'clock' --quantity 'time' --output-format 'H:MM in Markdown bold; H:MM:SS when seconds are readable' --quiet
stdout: **9:41**
